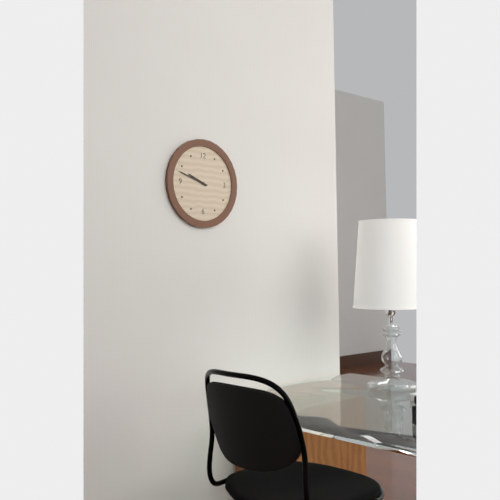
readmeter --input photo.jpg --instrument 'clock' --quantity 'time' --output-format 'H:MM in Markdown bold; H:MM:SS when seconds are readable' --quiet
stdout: **9:48**
